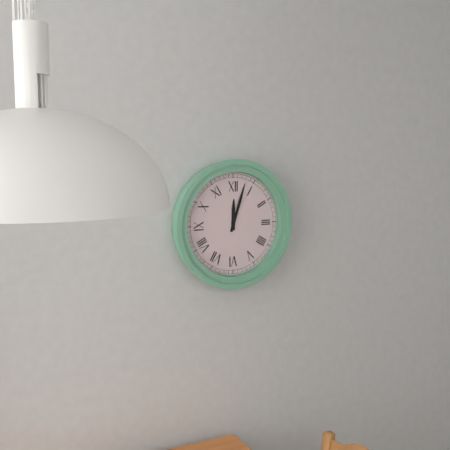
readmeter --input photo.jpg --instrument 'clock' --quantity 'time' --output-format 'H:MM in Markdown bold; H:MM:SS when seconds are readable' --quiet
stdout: **12:03**
